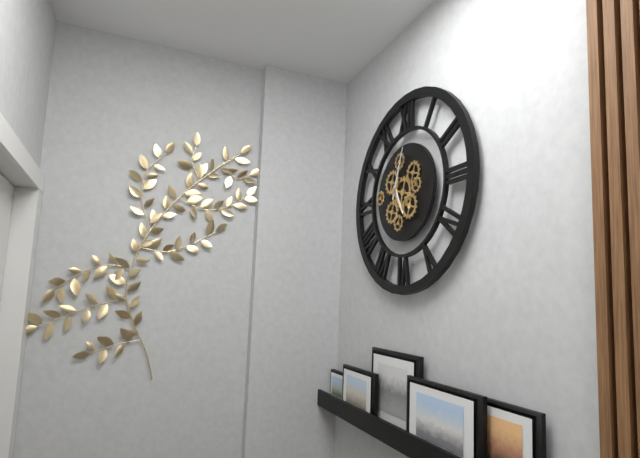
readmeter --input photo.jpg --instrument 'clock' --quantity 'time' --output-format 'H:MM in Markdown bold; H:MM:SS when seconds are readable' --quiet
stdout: **5:03**
